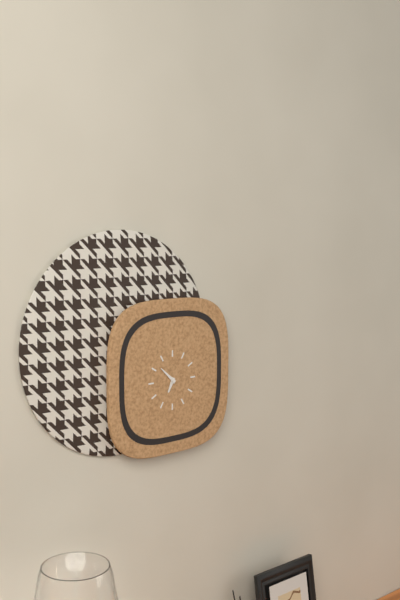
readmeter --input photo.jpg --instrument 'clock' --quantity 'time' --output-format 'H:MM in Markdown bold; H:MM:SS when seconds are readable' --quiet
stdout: **6:52**
